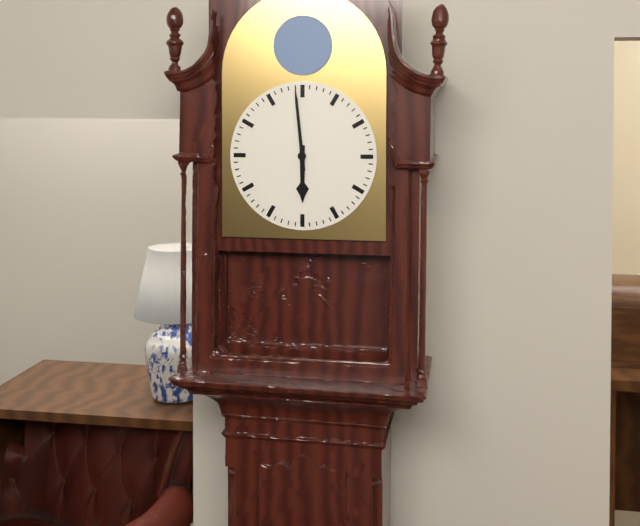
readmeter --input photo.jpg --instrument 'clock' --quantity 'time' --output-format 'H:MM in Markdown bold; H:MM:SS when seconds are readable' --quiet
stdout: **5:59**
